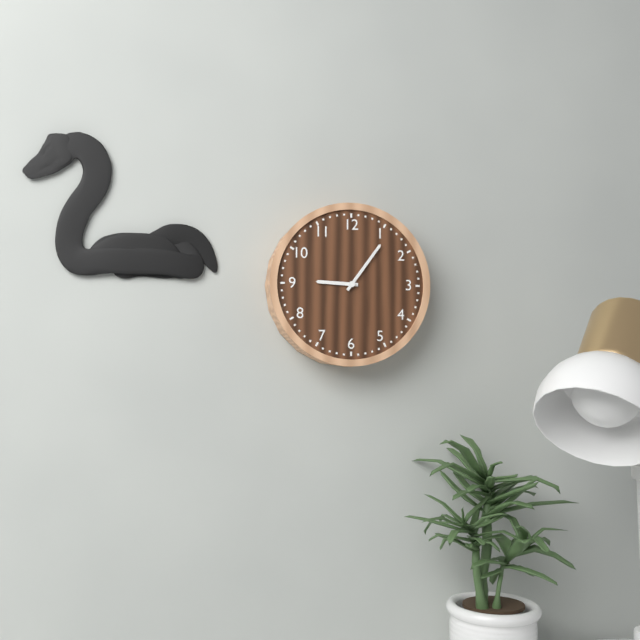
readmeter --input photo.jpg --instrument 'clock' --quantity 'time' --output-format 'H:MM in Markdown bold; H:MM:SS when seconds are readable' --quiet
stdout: **9:06**
